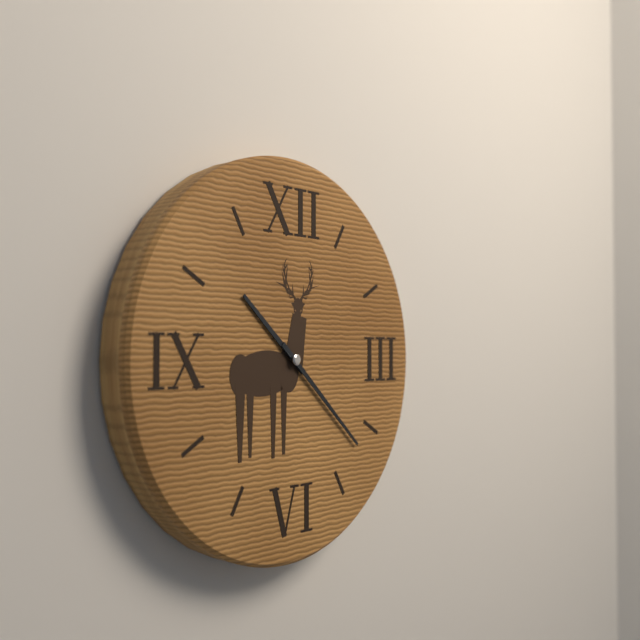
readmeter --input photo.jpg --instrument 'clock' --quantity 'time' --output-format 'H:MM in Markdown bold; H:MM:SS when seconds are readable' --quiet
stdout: **10:22**
